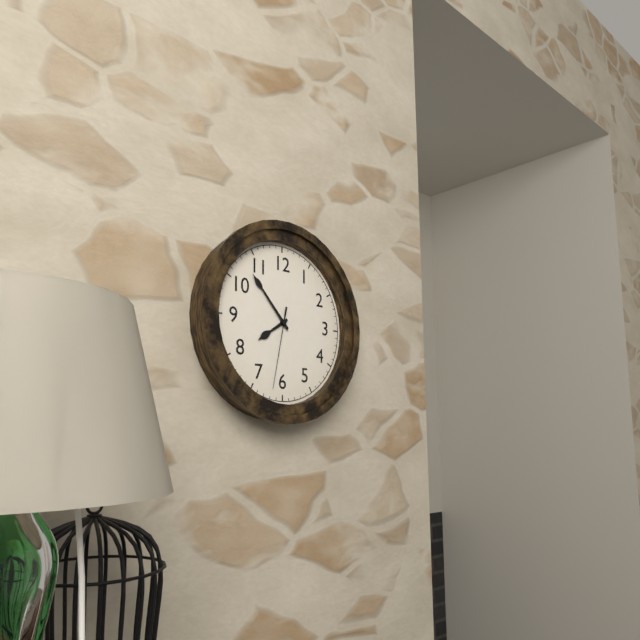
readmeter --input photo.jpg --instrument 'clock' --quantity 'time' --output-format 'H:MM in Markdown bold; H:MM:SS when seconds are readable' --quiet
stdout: **7:53:32**
